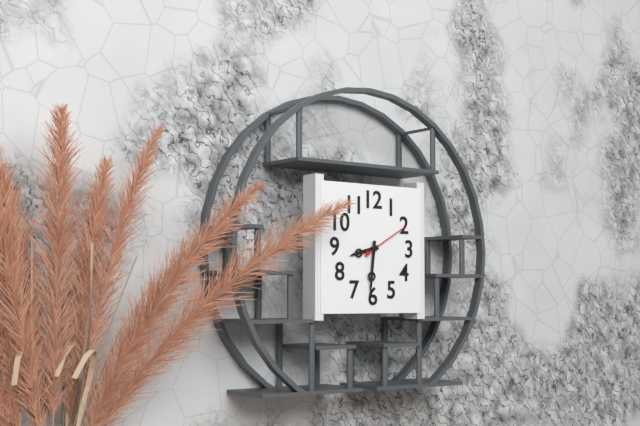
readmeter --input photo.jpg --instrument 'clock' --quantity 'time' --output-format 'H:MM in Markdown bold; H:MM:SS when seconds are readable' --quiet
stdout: **8:31:10**
